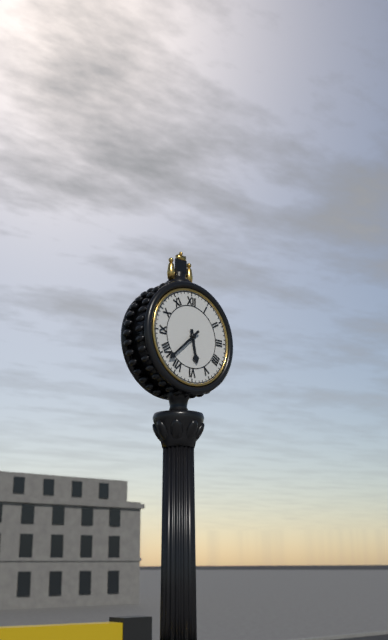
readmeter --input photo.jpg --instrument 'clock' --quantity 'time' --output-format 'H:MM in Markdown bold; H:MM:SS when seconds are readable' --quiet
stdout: **5:38**
